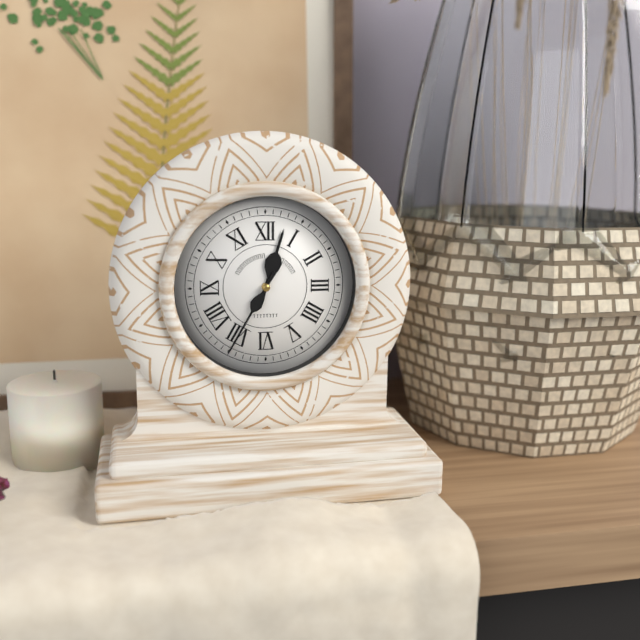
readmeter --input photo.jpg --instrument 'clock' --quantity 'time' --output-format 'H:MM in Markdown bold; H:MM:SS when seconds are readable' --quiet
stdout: **12:35**
